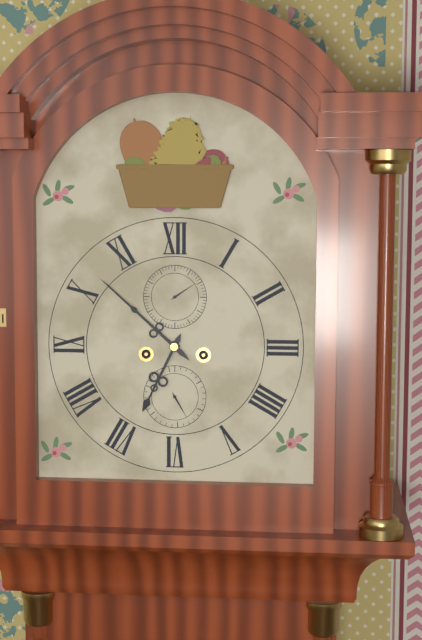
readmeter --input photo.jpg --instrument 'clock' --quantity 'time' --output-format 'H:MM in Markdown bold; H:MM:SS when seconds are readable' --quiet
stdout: **6:52**
